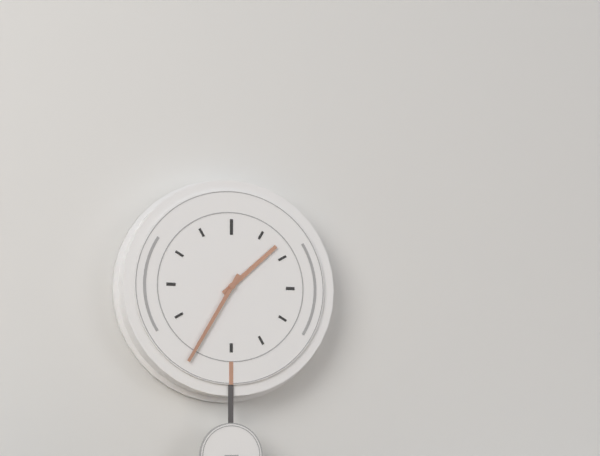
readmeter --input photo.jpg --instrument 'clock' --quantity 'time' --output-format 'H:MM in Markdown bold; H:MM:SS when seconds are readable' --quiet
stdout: **1:35**
